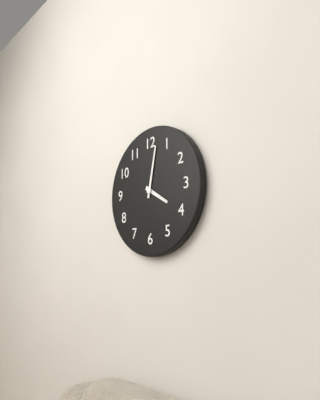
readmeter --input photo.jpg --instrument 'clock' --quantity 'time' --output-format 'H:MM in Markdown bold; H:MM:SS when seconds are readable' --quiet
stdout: **4:02**
